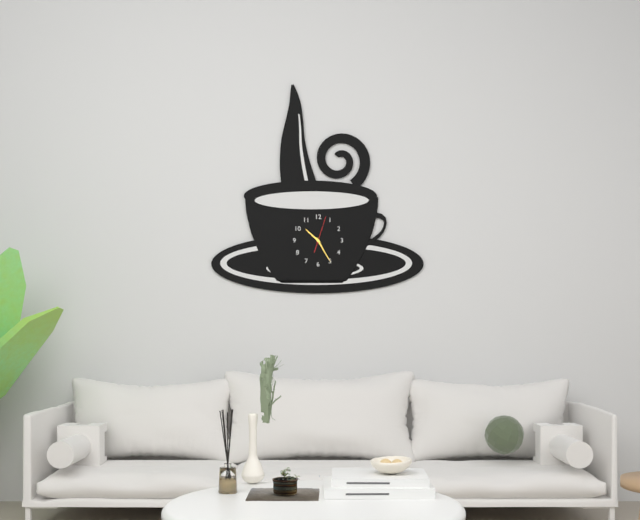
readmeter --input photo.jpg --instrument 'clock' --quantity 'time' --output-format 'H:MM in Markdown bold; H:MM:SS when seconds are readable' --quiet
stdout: **10:25**
